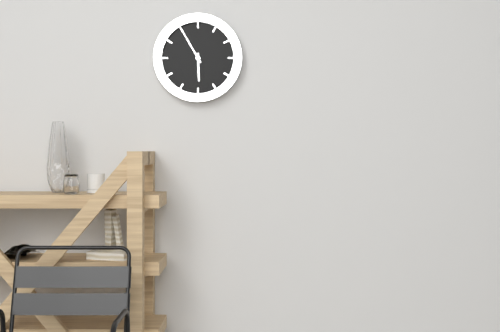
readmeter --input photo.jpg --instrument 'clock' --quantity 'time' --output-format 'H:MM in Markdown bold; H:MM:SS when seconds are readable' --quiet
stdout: **5:55**
